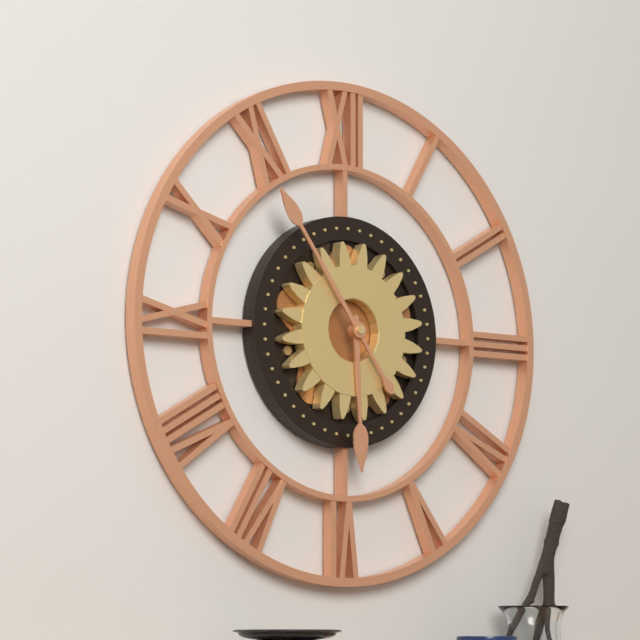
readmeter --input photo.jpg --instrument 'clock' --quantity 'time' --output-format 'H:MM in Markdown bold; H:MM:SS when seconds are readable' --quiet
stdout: **5:54**
